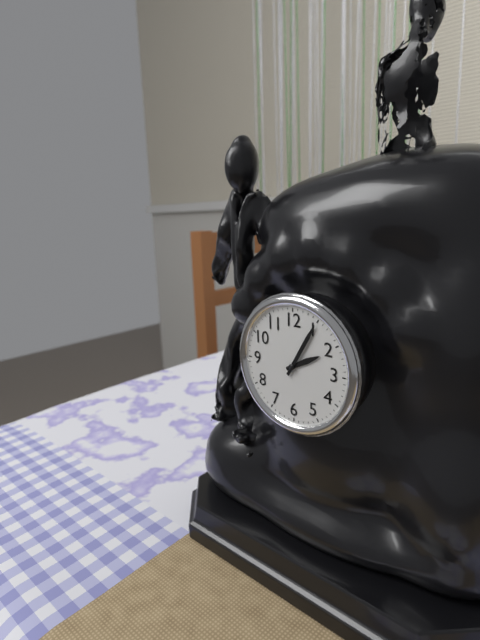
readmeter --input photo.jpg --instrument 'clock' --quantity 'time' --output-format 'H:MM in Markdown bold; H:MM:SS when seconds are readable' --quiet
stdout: **2:05**
